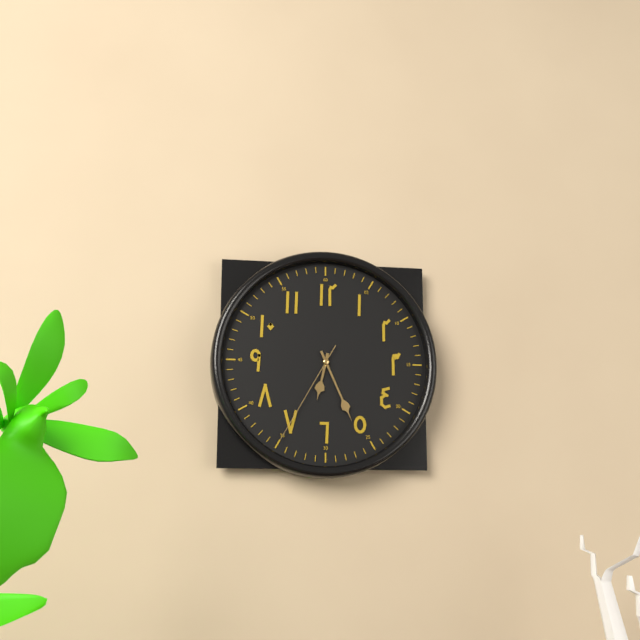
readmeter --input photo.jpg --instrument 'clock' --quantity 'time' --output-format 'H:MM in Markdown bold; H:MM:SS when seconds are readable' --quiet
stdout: **6:26:35**
